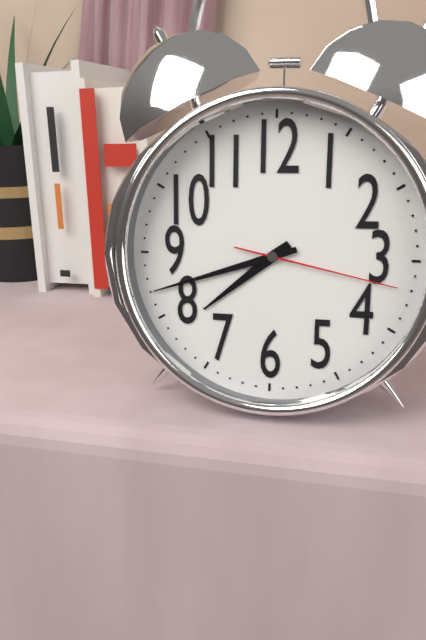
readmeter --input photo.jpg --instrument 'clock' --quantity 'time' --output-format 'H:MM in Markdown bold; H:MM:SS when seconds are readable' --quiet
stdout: **7:42:17**
